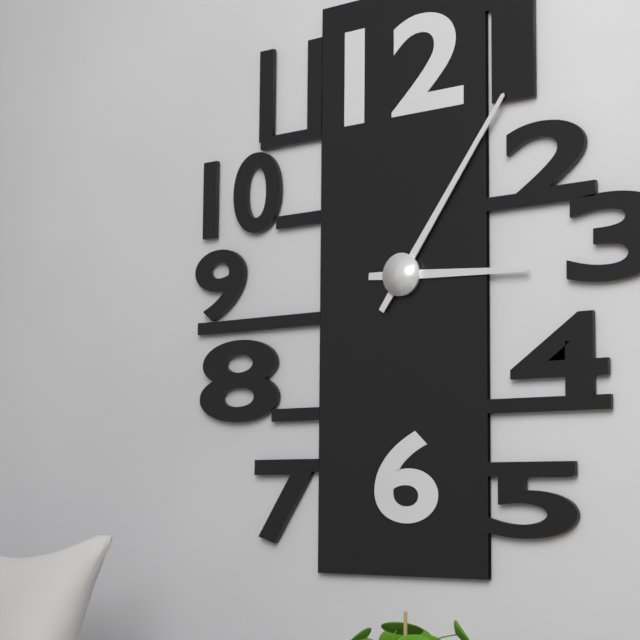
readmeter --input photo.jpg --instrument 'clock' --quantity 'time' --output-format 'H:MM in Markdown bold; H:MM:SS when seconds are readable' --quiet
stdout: **3:06**
